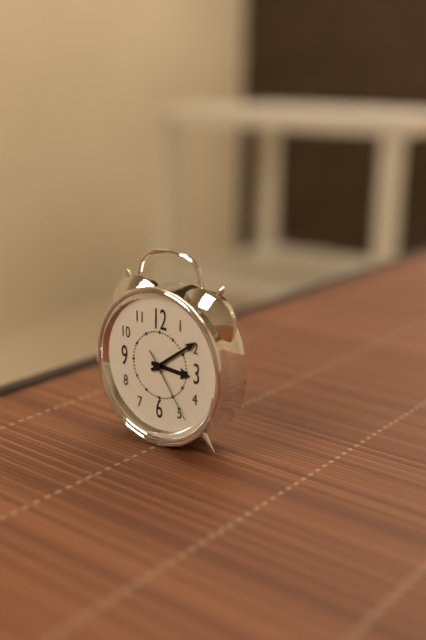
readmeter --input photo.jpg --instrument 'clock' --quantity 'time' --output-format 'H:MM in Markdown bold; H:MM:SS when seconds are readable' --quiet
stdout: **3:09:24**
